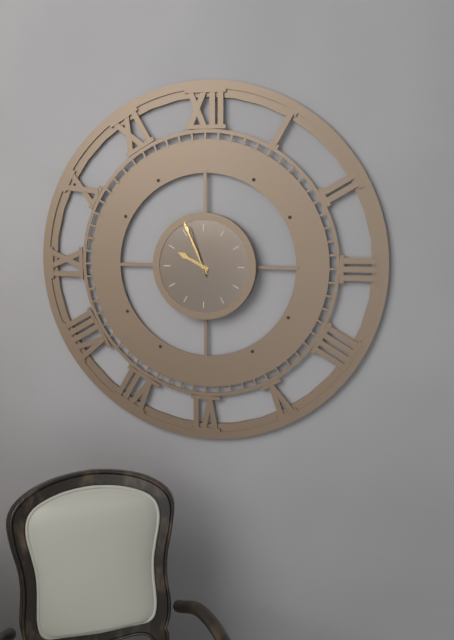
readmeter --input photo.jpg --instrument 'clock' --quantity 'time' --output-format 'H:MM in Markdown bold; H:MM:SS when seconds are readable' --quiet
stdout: **9:56:57**
